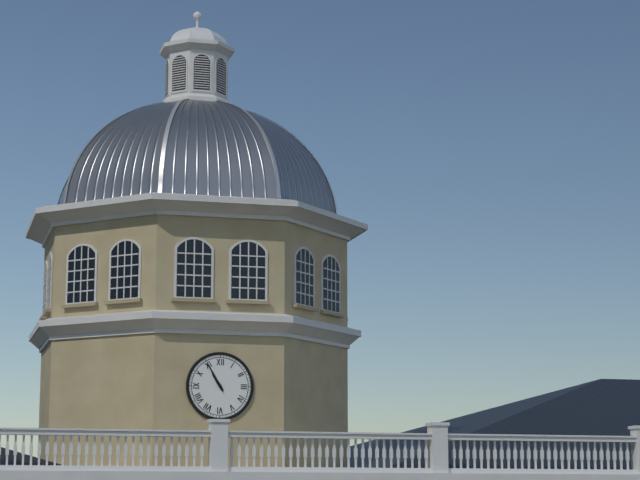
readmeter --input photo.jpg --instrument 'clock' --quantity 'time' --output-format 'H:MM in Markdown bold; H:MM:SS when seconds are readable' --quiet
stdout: **10:55**
